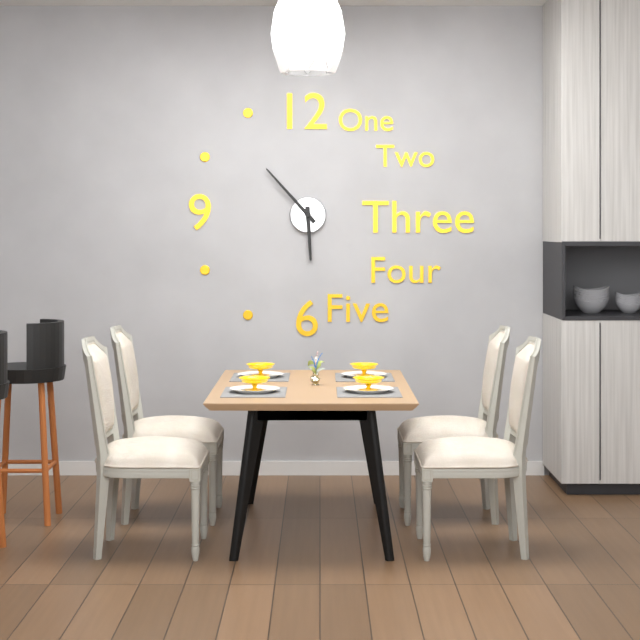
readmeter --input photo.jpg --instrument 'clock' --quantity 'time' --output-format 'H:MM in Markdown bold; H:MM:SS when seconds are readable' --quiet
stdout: **5:53**
